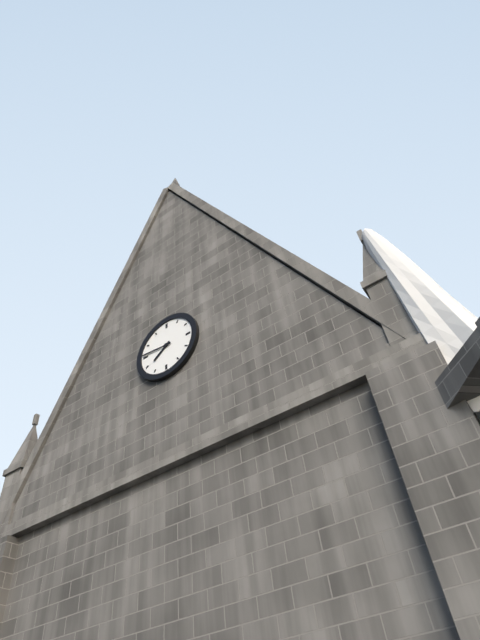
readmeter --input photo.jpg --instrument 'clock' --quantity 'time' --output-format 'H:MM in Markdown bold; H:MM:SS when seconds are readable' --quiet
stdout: **7:46**
